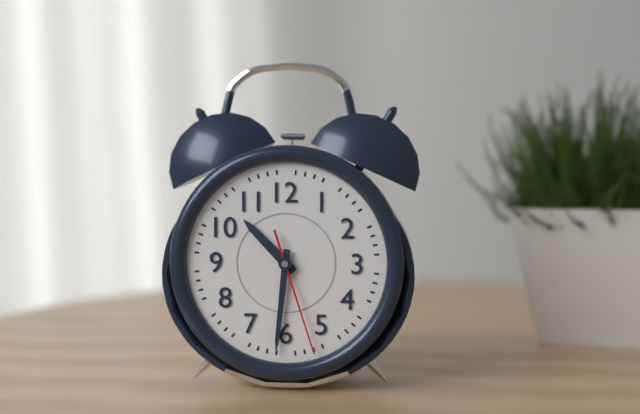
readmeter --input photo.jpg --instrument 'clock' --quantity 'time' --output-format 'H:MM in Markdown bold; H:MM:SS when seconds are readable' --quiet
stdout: **10:31:27**
